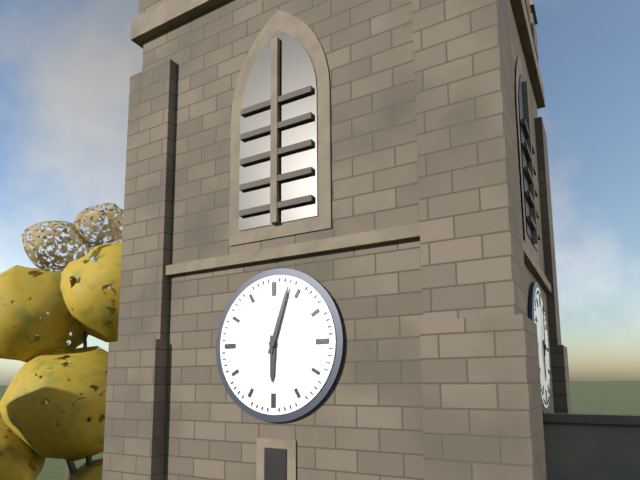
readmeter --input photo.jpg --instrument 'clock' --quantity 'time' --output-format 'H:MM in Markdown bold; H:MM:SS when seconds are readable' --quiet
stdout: **6:03**
